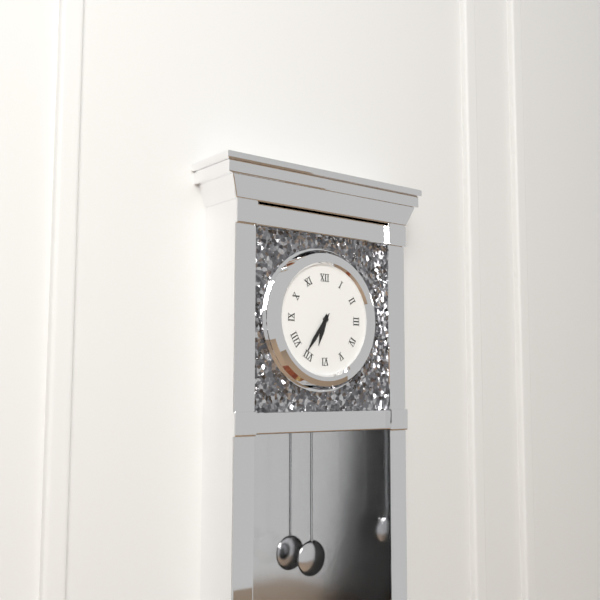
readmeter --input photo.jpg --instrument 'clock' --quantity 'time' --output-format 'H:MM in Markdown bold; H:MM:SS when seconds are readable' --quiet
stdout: **6:36**
